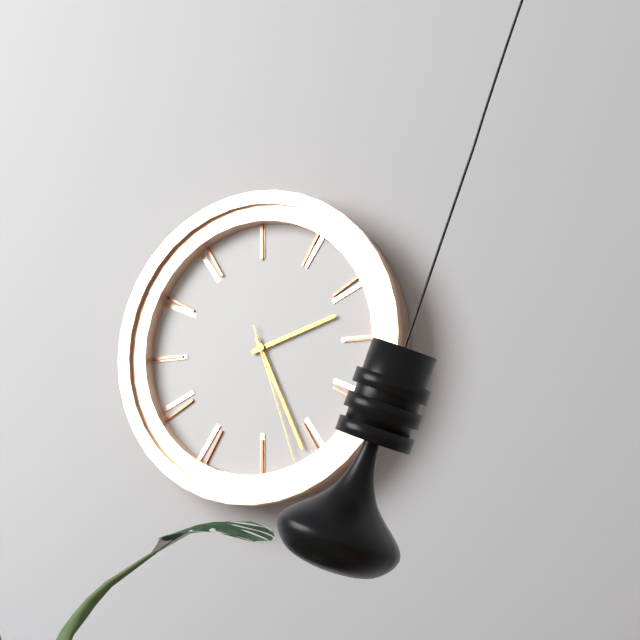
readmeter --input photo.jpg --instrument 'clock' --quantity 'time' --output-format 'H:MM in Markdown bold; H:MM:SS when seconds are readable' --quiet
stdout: **2:26:27**
